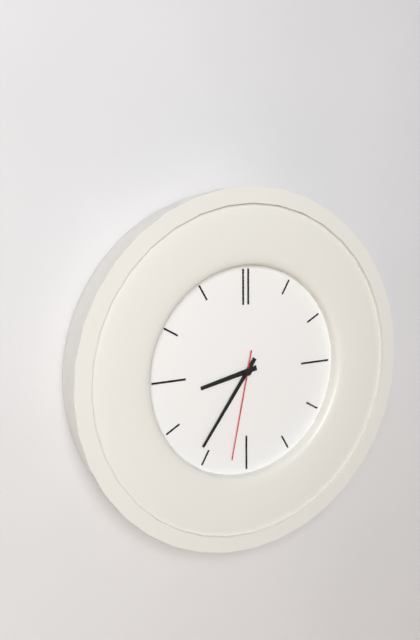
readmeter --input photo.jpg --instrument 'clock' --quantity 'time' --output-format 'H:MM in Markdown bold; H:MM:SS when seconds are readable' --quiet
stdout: **8:36:32**
